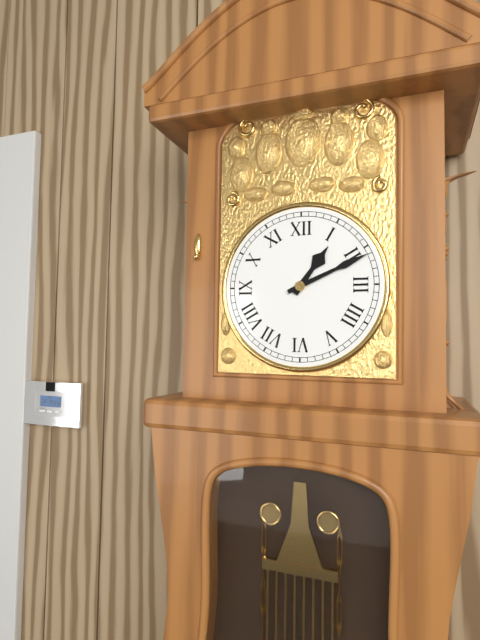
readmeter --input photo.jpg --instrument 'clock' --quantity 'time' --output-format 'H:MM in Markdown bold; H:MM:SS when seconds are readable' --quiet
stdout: **1:11**
